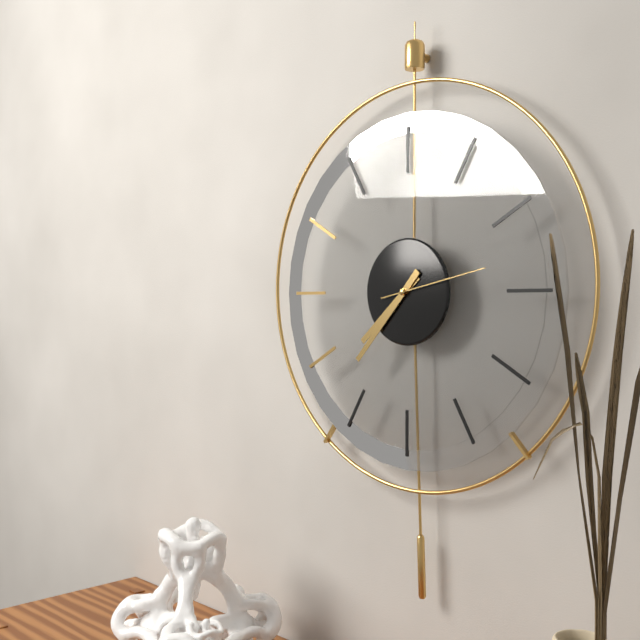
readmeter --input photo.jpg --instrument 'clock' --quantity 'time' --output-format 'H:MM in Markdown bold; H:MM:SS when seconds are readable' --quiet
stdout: **7:37:13**
